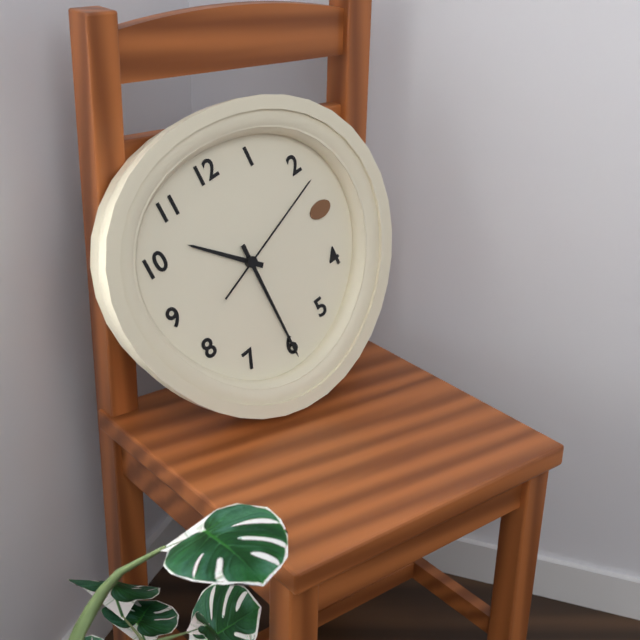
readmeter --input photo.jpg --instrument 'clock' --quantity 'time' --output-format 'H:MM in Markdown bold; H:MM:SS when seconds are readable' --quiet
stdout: **10:30:12**
